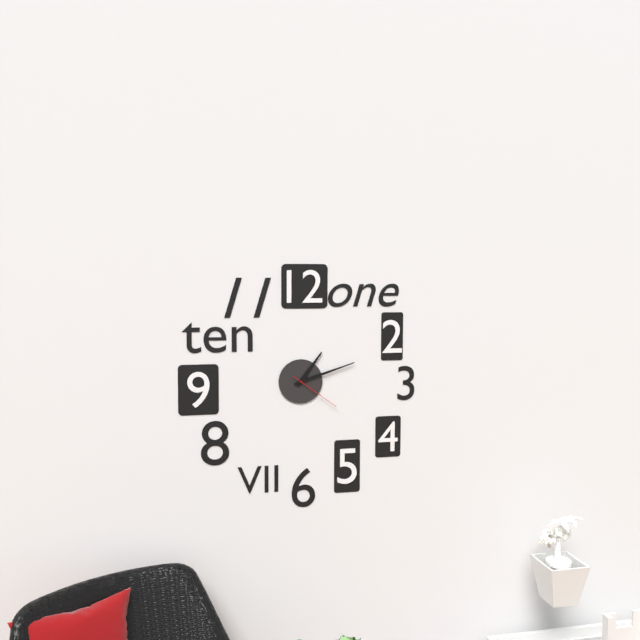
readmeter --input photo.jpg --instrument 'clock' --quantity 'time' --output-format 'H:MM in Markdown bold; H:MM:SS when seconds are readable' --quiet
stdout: **1:12:21**
